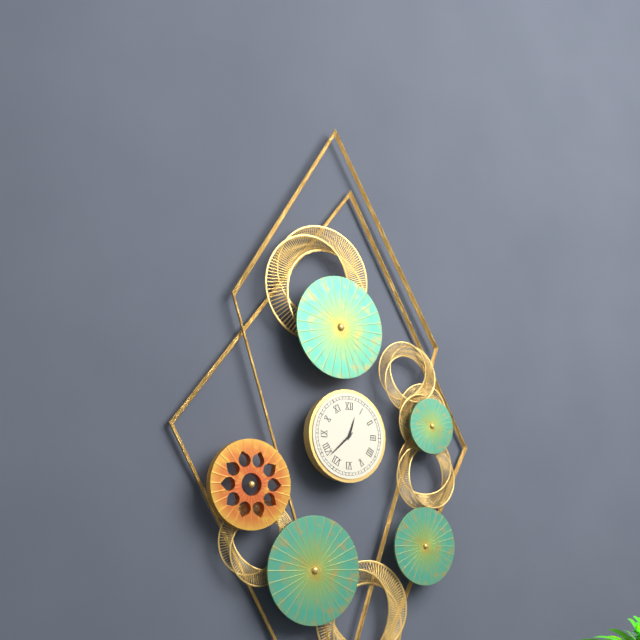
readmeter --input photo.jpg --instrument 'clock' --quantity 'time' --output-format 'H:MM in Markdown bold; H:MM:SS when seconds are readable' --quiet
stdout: **12:38**
